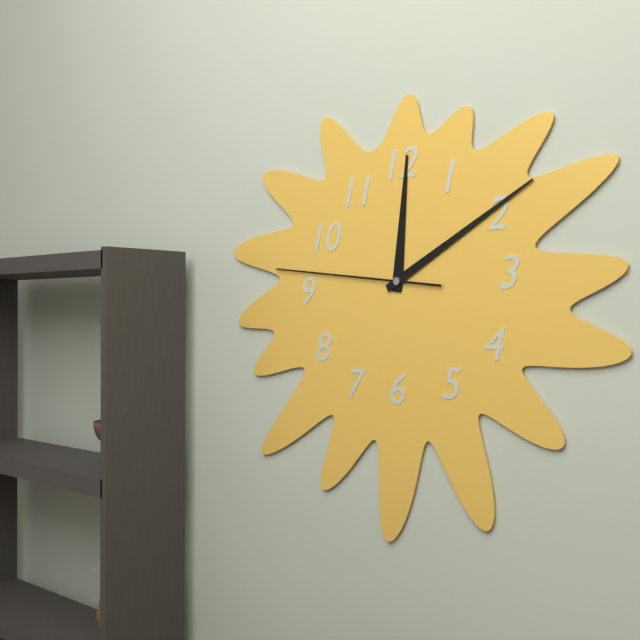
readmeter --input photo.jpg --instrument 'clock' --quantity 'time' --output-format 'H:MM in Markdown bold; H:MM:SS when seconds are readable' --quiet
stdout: **12:10:46**
